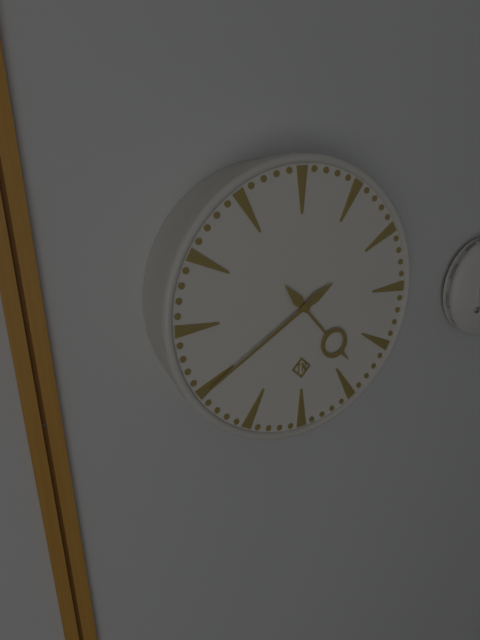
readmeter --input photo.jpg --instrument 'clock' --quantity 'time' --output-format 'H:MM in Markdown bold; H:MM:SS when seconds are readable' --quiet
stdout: **4:40**
